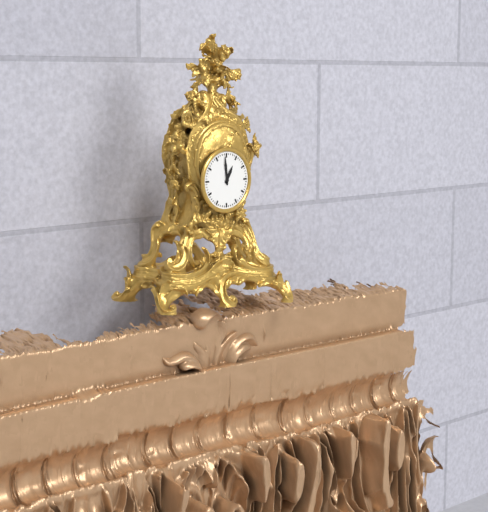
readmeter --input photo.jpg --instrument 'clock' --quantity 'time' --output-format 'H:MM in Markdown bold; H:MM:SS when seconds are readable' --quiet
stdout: **12:59**
